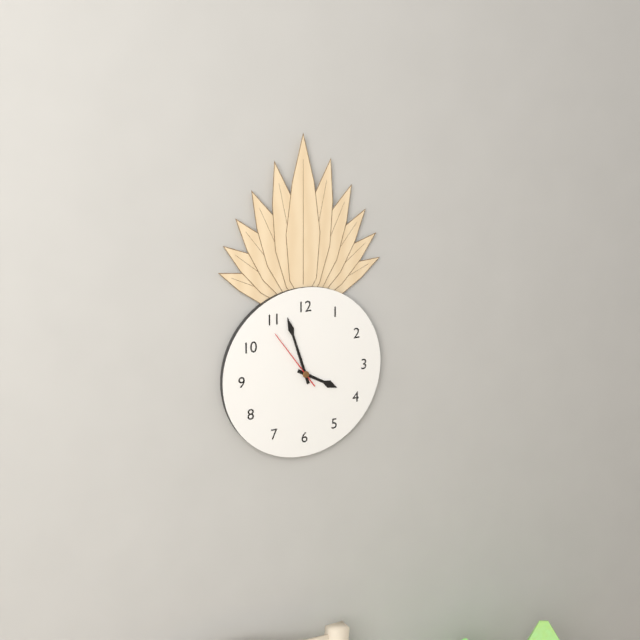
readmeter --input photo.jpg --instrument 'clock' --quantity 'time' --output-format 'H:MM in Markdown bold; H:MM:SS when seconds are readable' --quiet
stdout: **3:57:54**
